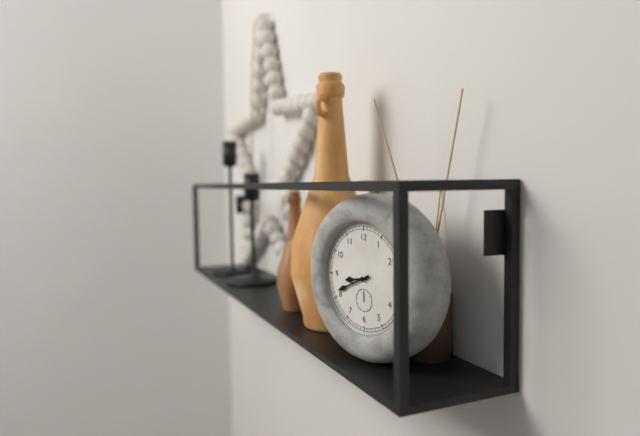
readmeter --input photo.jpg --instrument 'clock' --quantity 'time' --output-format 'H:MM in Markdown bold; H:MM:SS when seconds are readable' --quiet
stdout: **8:41**
